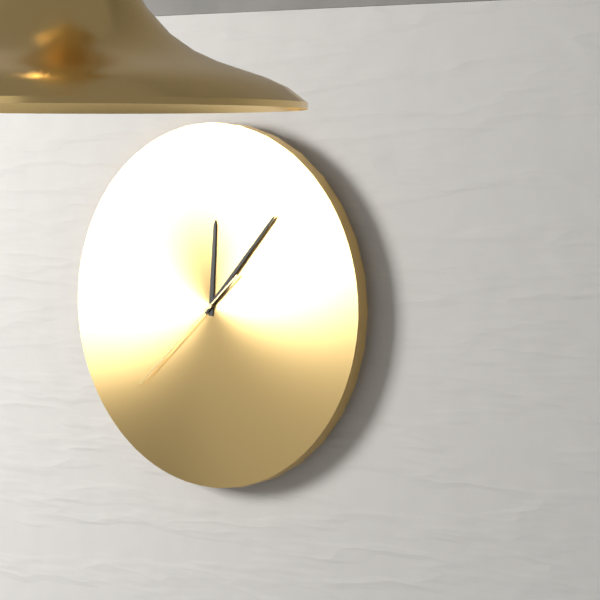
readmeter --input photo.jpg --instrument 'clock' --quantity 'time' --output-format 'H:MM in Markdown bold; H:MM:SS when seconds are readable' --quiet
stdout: **12:07:38**
